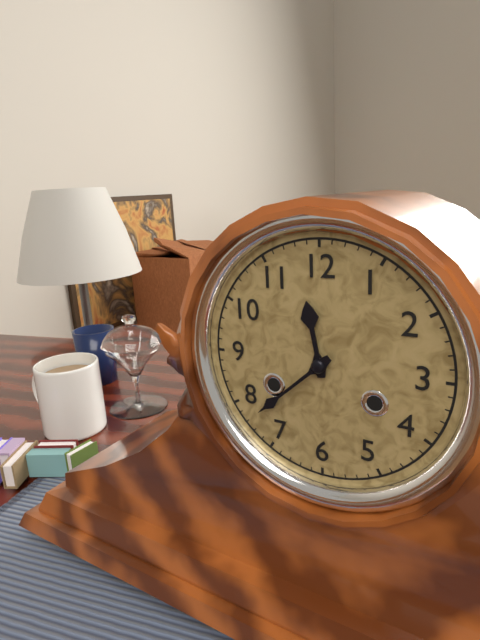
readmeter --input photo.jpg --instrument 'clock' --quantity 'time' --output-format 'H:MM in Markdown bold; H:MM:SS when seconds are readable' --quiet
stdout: **11:38**
